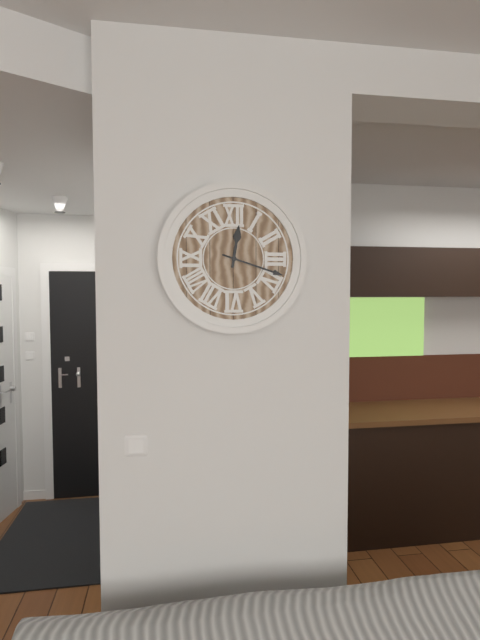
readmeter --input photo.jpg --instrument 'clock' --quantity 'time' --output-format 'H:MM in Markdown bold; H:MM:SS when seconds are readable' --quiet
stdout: **12:18**
